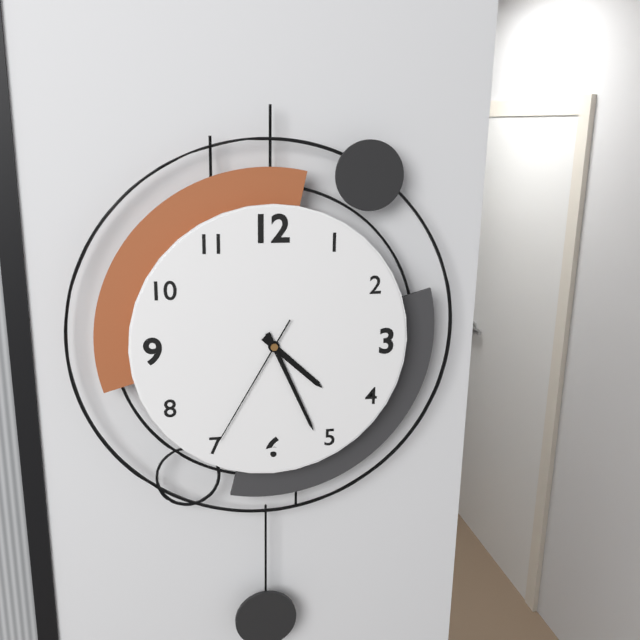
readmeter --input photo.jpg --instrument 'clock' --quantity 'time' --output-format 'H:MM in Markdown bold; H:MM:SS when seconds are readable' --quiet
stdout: **4:26:35**
